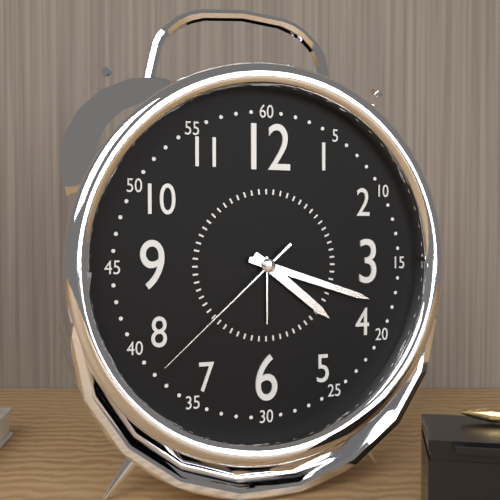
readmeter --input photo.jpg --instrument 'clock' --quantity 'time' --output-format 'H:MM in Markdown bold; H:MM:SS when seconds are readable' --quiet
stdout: **4:18:38**
